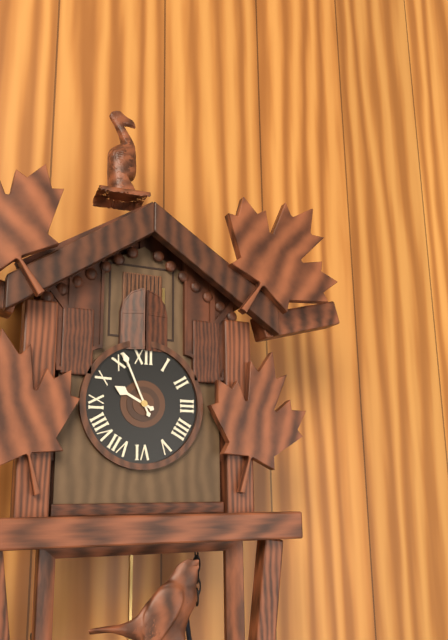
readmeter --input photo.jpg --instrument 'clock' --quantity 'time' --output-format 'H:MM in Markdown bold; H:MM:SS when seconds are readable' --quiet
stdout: **9:56**
